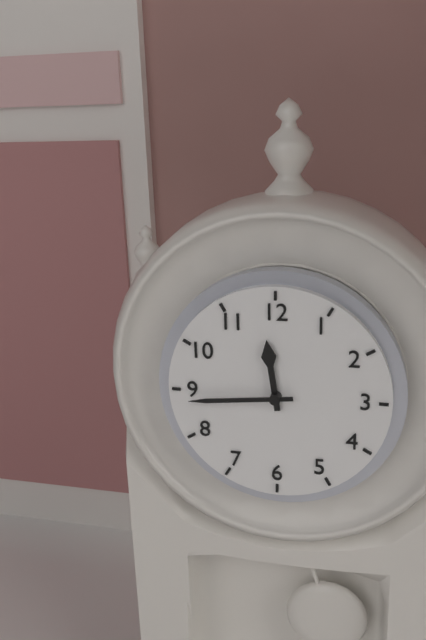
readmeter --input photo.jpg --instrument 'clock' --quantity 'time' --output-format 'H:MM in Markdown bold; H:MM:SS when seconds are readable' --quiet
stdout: **11:44**
